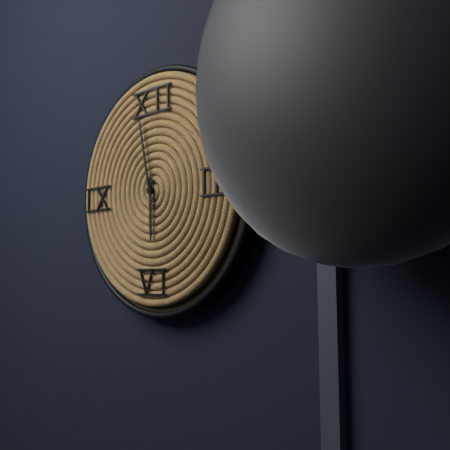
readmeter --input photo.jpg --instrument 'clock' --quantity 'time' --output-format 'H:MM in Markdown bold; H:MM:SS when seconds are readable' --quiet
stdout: **5:58**
